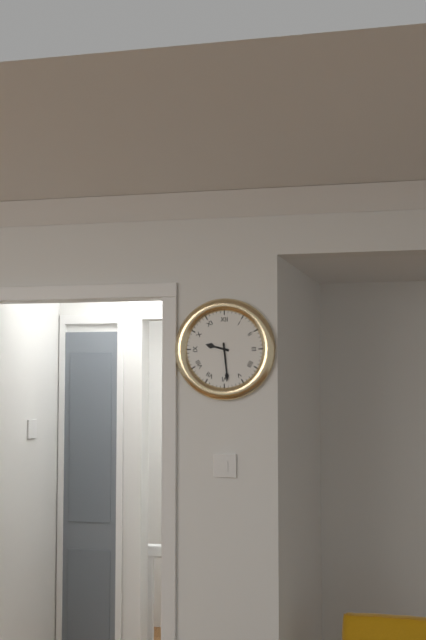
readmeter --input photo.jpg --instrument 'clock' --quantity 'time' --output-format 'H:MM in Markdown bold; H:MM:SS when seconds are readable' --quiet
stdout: **9:29**
